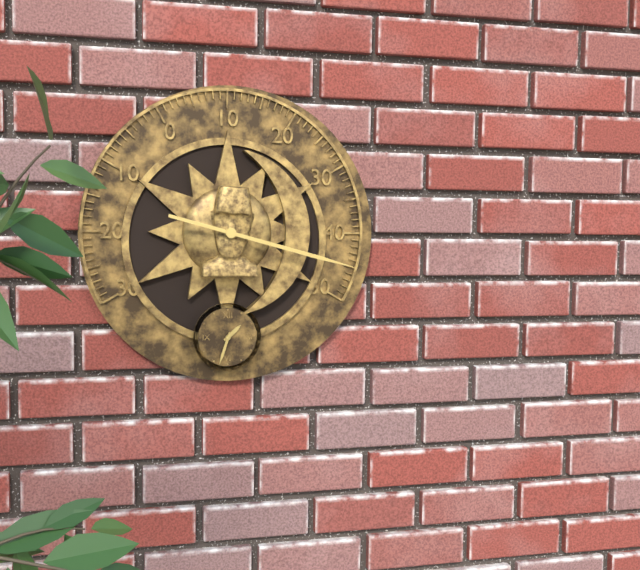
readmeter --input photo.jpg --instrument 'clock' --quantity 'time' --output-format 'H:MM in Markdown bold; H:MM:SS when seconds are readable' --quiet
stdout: **1:33**
